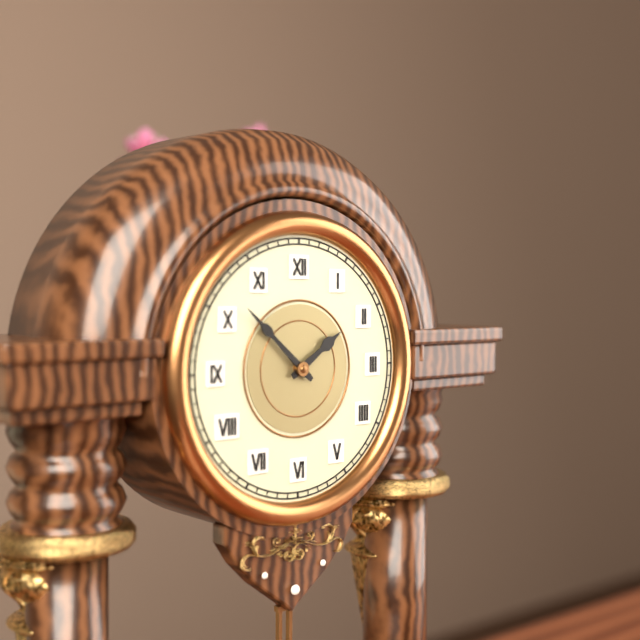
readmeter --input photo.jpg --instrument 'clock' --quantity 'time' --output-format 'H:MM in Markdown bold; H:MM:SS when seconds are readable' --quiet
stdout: **1:52**
